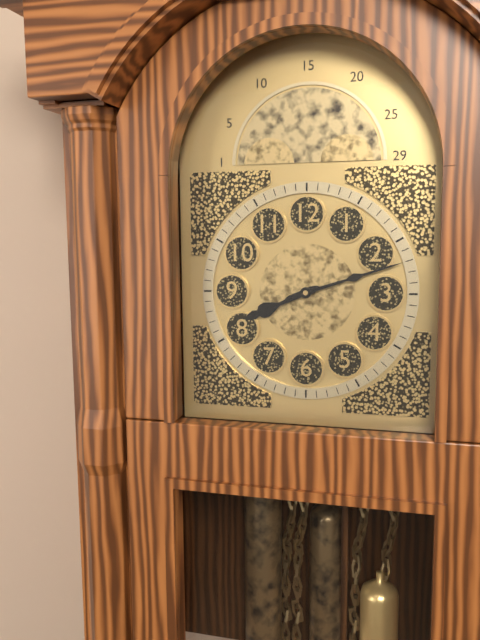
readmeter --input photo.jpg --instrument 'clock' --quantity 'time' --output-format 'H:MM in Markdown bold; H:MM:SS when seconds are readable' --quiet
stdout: **8:12**
